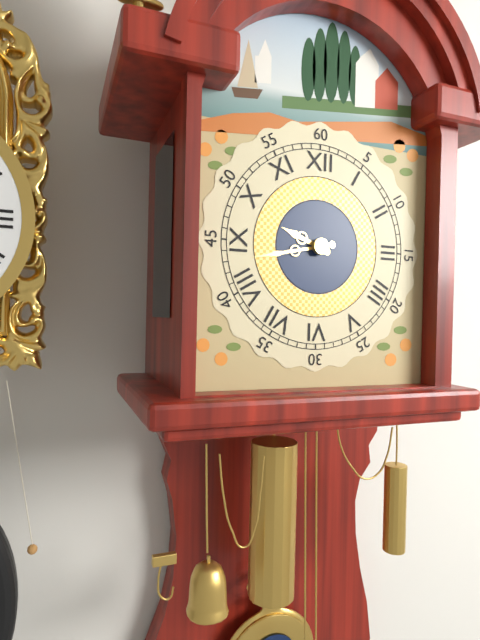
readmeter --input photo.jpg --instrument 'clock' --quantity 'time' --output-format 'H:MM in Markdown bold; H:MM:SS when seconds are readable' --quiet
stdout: **9:43**
